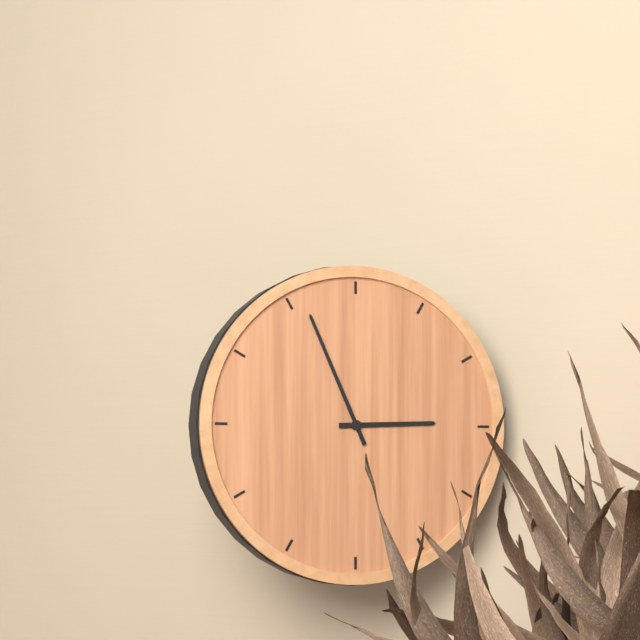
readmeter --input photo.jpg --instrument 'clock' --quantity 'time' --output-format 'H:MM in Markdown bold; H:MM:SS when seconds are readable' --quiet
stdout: **2:56**
